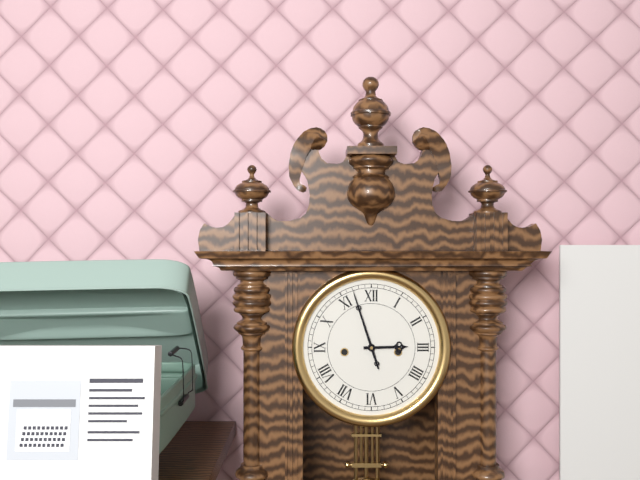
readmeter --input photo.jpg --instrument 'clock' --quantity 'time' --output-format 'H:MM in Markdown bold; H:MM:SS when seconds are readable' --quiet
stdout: **2:57**
